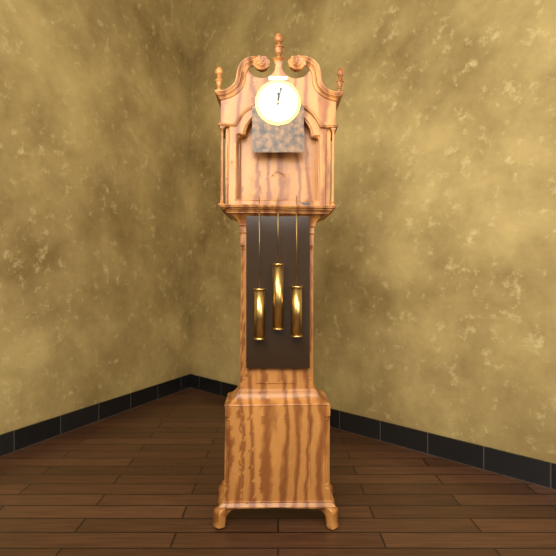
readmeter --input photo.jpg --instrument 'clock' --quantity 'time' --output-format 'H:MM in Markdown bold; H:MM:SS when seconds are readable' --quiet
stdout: **12:02**
